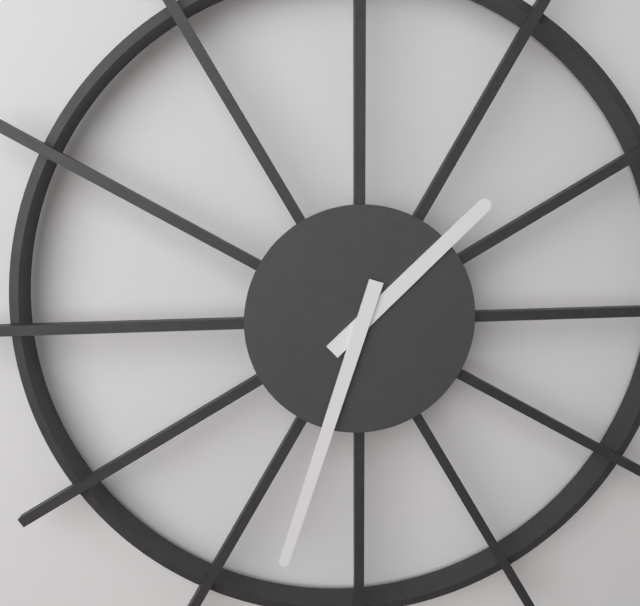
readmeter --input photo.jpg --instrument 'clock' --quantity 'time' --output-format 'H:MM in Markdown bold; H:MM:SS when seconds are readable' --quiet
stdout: **1:33**
